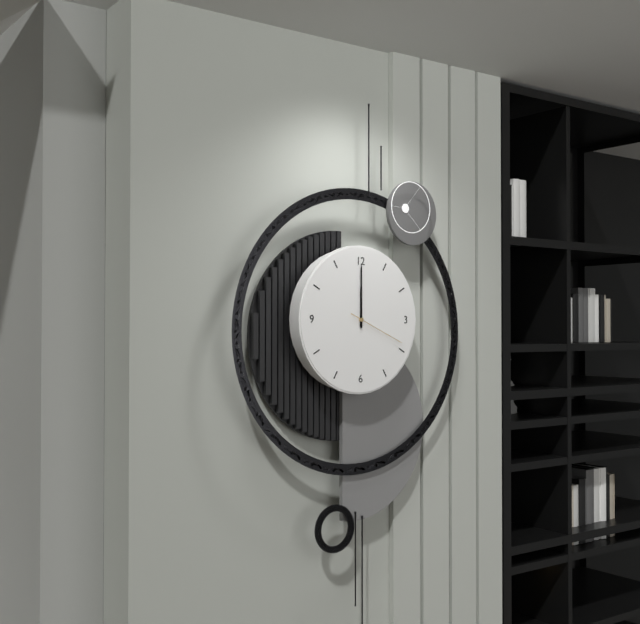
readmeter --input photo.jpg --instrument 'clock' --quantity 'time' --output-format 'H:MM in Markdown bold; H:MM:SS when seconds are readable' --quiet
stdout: **12:00:19**
